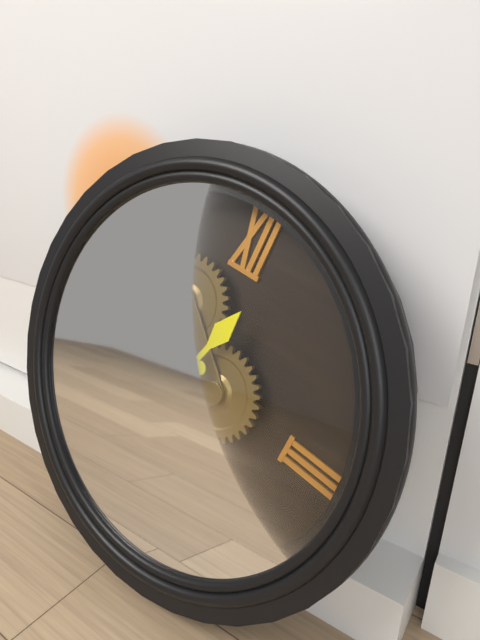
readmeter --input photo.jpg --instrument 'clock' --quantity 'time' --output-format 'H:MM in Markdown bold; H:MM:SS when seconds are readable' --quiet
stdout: **12:36**
